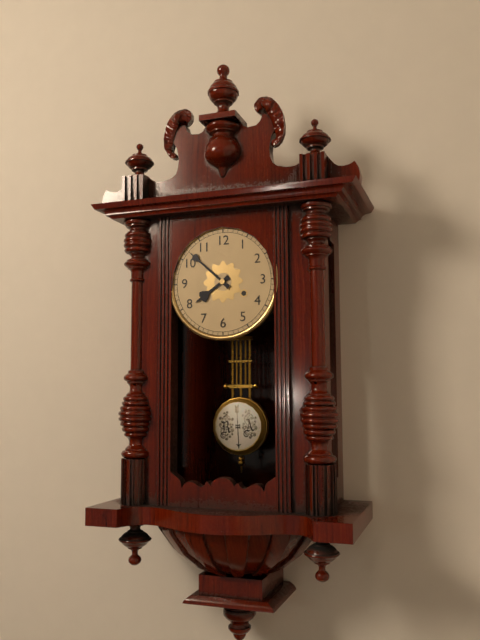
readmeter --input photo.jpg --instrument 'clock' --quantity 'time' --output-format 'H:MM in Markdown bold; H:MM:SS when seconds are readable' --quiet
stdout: **7:52**
